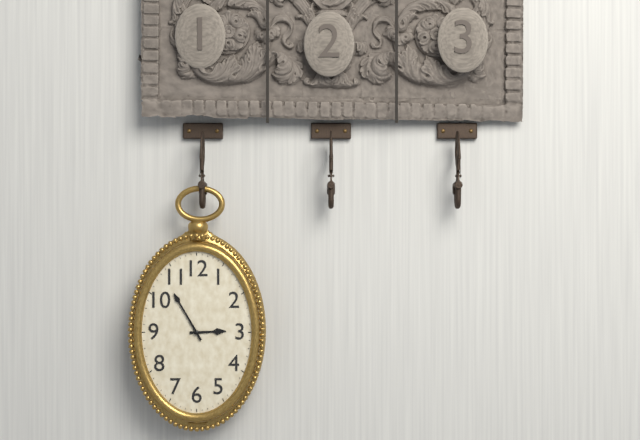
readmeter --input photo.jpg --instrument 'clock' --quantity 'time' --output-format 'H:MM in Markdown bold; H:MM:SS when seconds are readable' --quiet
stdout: **2:55**
